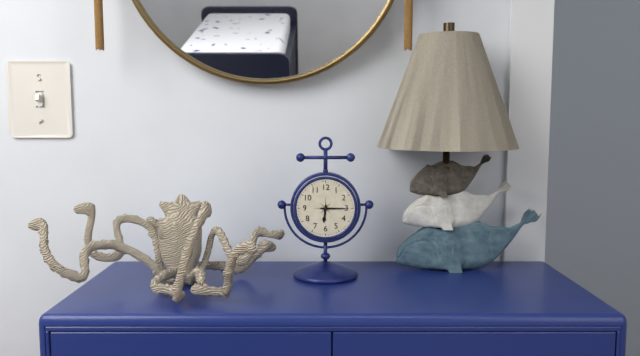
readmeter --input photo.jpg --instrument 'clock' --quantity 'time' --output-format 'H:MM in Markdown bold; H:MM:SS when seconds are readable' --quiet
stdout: **6:15**
